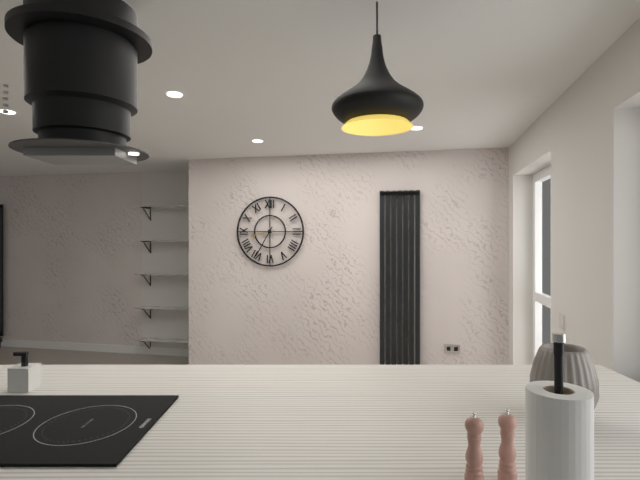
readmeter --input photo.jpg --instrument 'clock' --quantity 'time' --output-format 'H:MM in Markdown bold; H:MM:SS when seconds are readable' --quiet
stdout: **8:35**
